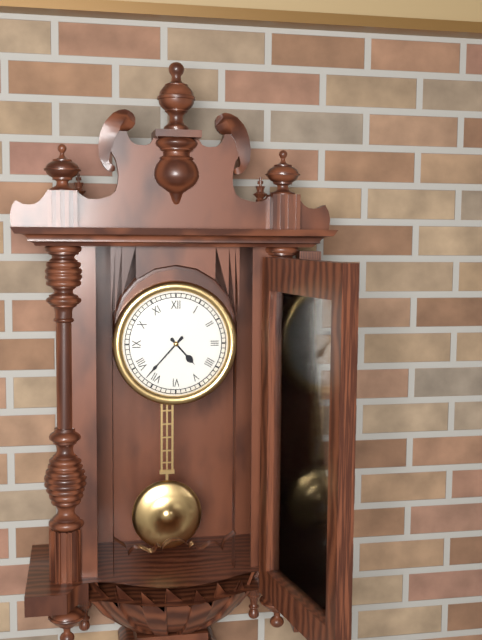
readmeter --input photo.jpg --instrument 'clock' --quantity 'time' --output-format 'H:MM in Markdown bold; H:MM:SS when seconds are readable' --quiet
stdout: **4:37**
